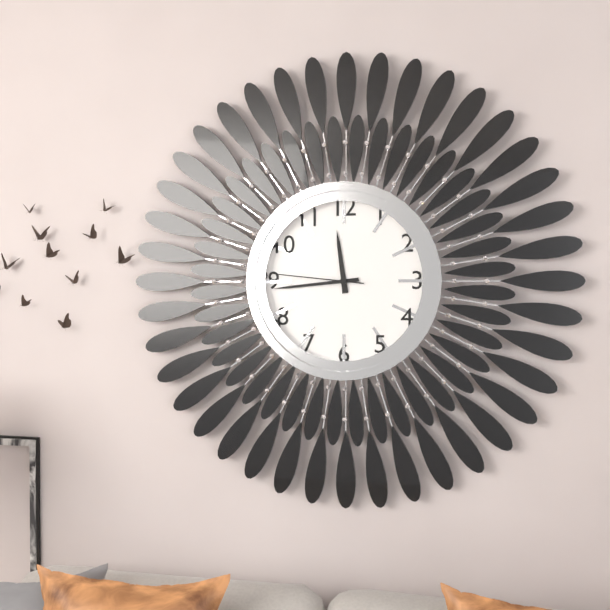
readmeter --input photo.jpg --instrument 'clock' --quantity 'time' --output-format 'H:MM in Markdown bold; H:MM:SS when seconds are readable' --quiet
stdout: **11:44:46**
